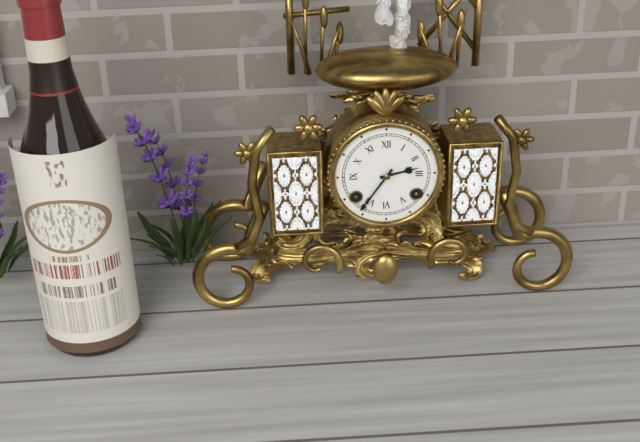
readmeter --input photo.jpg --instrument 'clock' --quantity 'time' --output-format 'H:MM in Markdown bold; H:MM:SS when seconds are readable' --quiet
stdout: **2:36**
